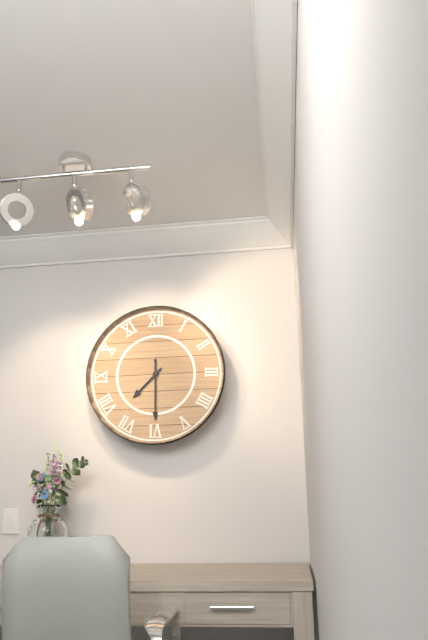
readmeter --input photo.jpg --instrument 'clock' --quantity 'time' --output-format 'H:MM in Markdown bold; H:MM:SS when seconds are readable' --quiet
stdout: **7:30**
